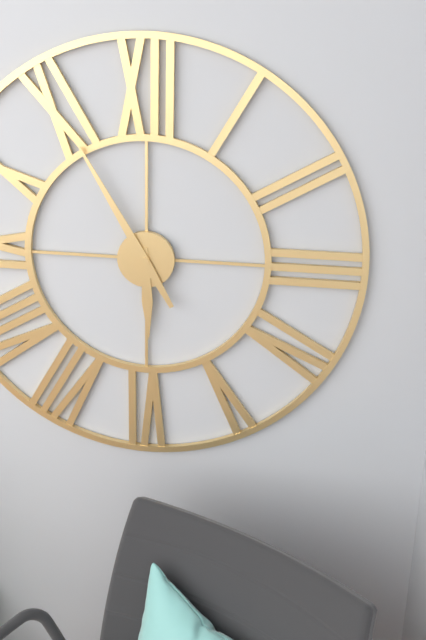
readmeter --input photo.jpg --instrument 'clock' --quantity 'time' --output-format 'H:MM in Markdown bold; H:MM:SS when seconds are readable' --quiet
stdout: **5:55**
